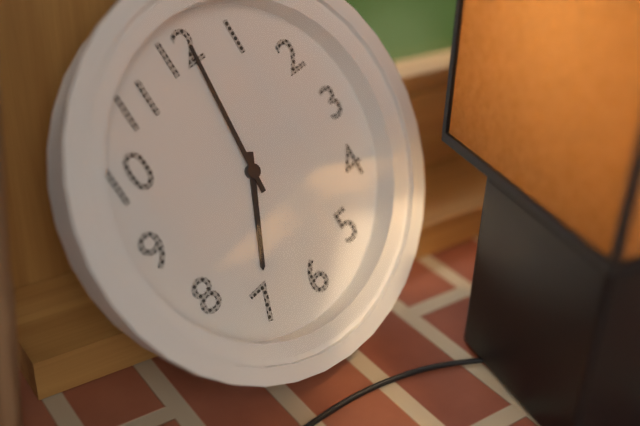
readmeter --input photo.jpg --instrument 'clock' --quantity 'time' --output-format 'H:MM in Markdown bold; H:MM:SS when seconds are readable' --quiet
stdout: **7:01**
